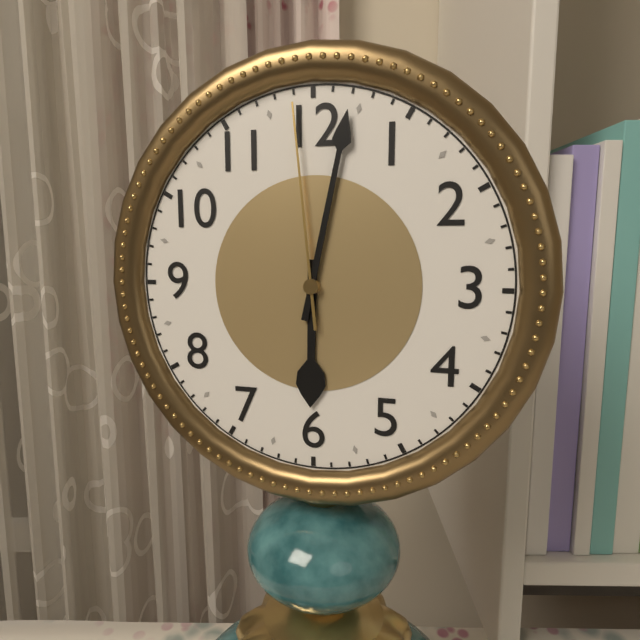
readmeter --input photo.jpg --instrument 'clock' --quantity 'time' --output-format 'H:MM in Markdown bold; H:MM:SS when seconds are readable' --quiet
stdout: **6:02:59**
